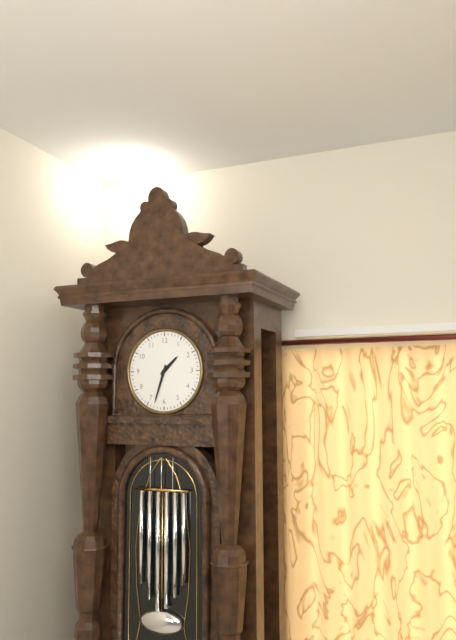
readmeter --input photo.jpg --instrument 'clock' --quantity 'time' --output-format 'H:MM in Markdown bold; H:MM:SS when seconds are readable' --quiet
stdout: **1:33**
